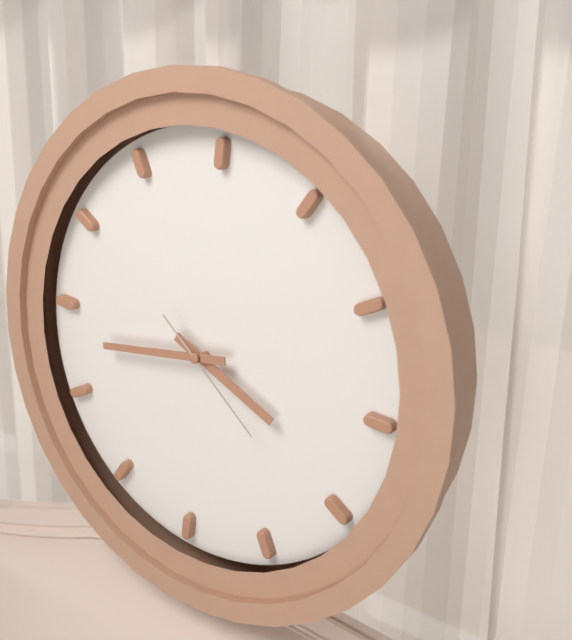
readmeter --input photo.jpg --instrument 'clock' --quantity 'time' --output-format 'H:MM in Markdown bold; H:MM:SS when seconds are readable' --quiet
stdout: **3:43:21**
